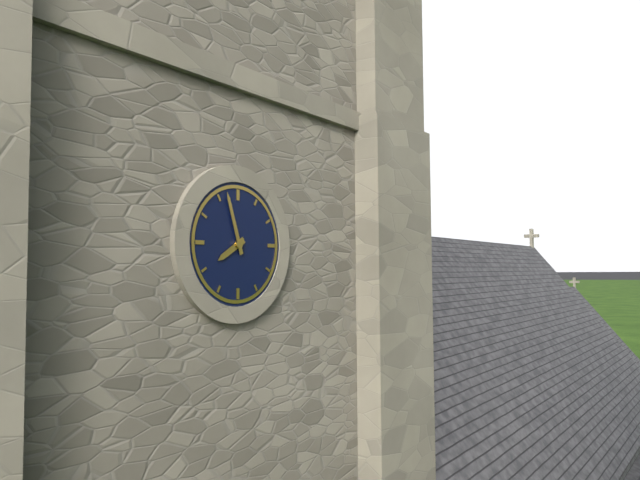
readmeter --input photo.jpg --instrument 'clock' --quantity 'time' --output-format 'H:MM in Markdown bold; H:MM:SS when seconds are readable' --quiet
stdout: **7:57**
